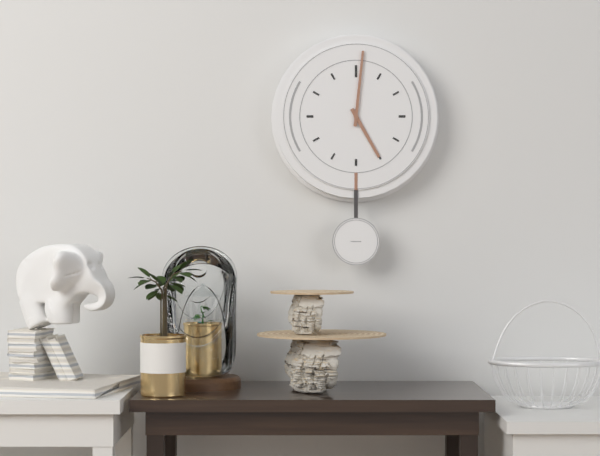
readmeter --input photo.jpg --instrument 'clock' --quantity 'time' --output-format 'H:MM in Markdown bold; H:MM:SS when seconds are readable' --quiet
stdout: **5:01**
